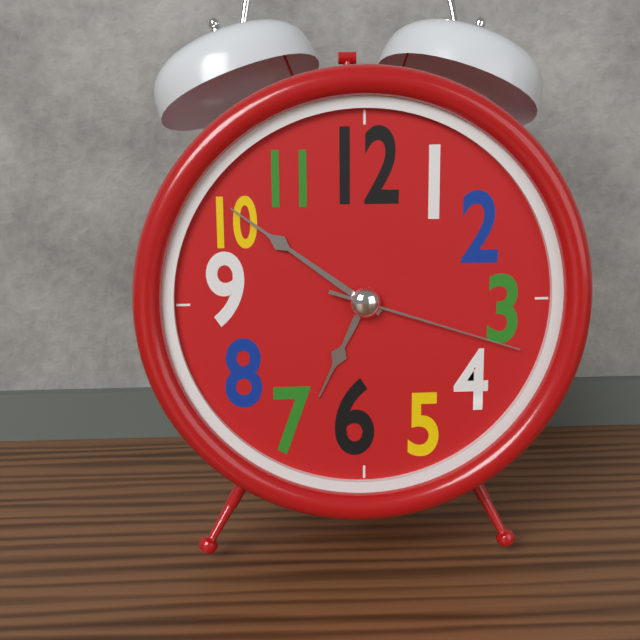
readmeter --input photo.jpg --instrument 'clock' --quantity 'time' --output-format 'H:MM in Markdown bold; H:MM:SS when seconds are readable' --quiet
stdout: **6:51:18**
